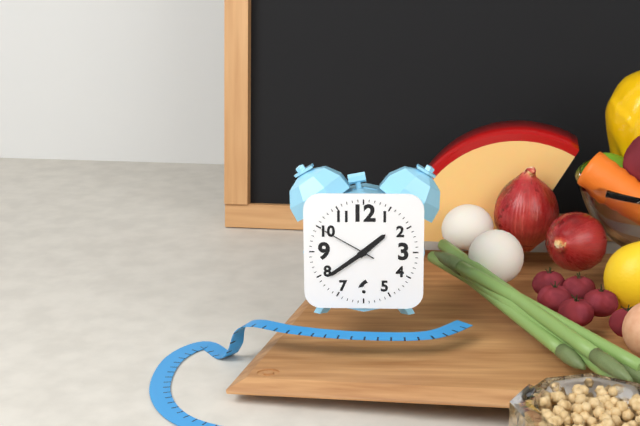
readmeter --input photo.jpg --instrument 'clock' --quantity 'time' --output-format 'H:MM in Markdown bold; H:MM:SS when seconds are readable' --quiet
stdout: **1:39:50**
